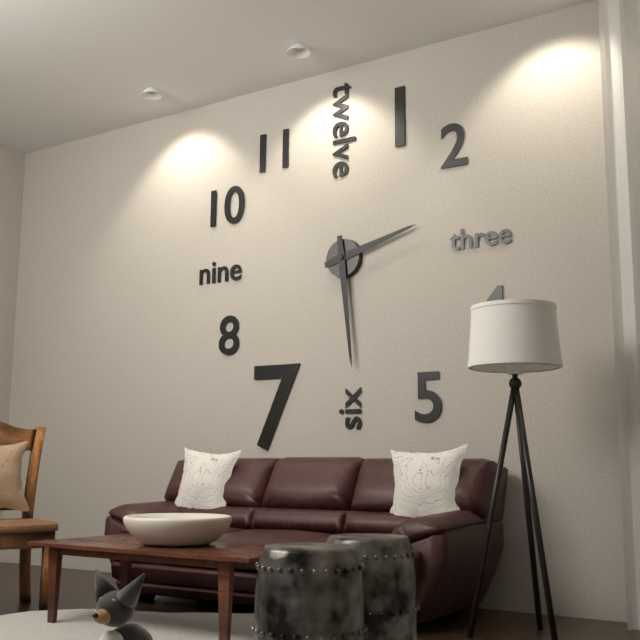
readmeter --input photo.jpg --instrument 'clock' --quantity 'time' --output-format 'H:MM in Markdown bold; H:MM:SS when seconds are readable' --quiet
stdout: **2:29**
